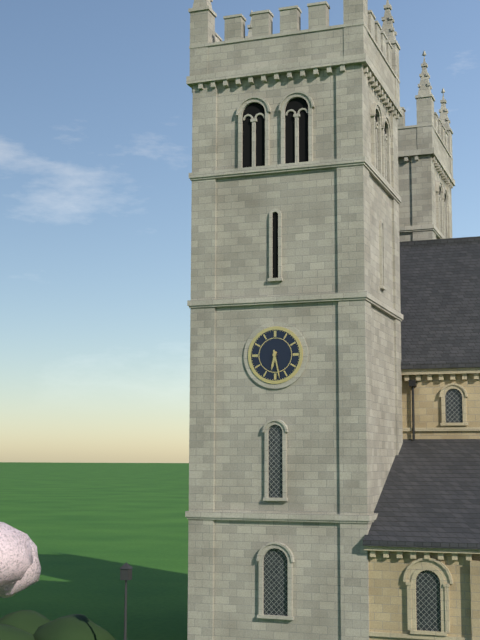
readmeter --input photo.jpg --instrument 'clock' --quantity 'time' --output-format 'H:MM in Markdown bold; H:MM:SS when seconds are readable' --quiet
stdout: **6:28**
